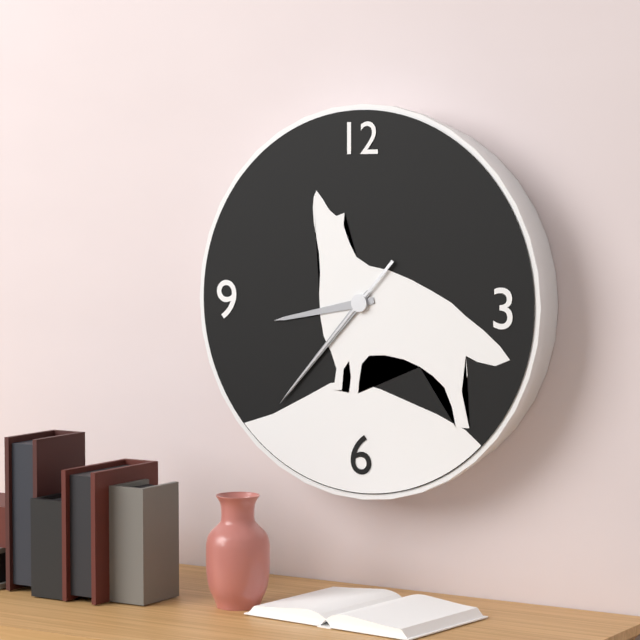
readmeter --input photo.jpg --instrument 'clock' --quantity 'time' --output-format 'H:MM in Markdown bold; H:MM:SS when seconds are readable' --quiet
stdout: **8:37:37**
